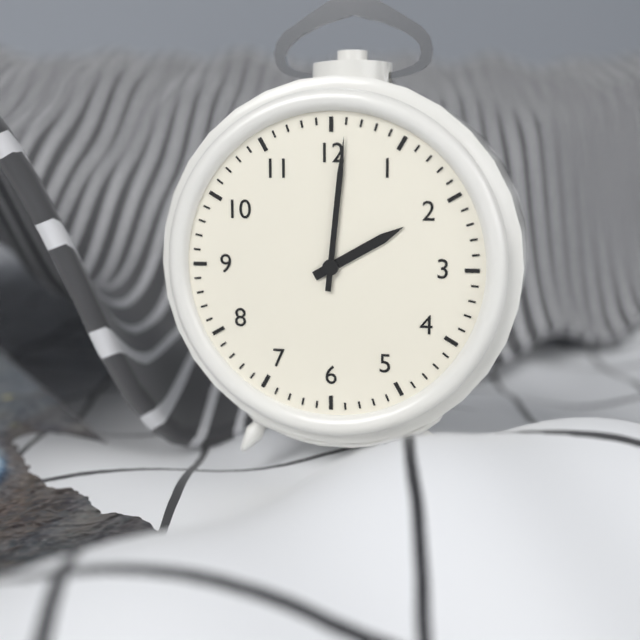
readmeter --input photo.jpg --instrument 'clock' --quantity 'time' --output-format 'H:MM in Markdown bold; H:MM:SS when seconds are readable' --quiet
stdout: **2:01**
